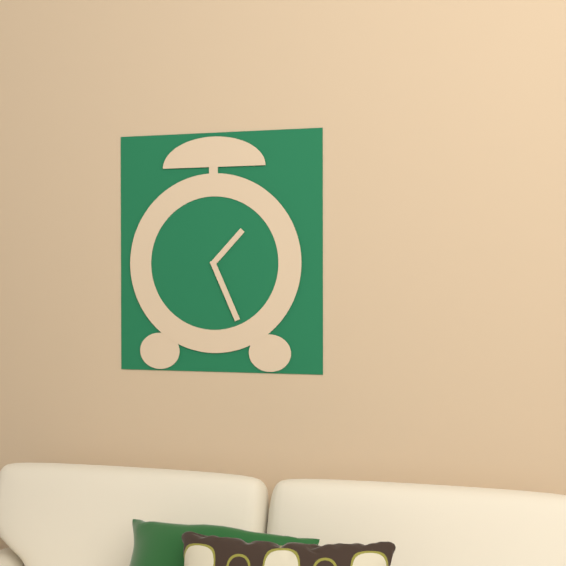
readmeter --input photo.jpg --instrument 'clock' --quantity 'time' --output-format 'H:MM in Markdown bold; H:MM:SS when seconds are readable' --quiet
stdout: **1:26**
